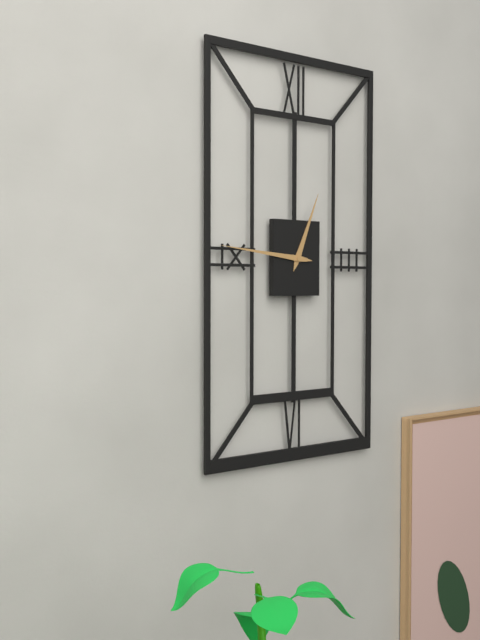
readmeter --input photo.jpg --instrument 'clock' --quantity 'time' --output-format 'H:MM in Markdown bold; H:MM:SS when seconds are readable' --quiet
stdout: **12:46**
